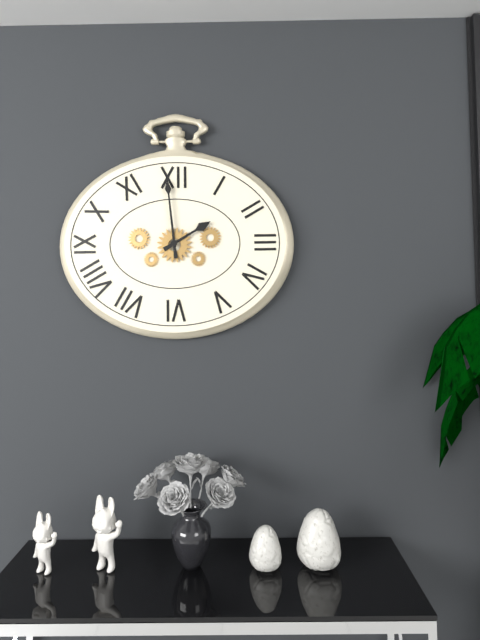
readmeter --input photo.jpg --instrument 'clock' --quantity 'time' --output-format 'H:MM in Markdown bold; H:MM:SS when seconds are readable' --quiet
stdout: **1:59**
